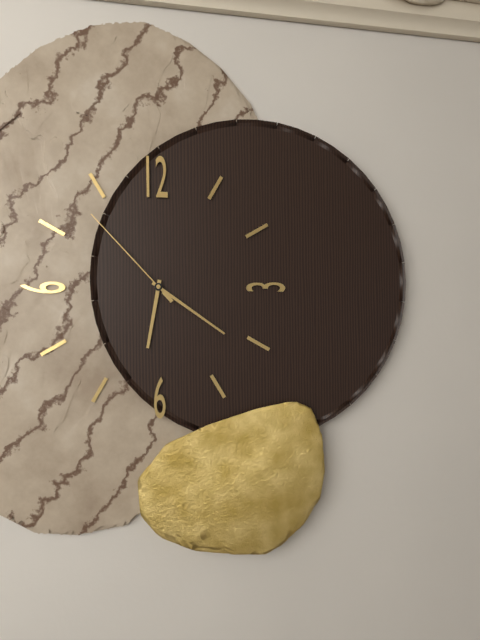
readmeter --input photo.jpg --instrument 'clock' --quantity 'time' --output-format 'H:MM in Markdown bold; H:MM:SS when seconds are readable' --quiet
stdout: **6:21:53**
